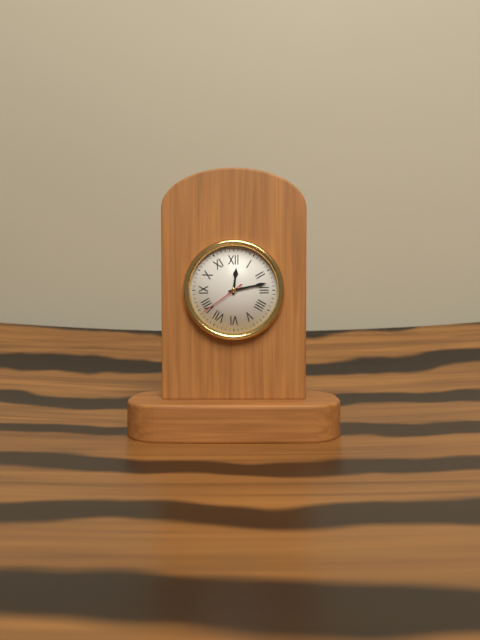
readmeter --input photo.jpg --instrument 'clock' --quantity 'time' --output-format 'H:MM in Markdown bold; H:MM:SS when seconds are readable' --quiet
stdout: **12:13**
